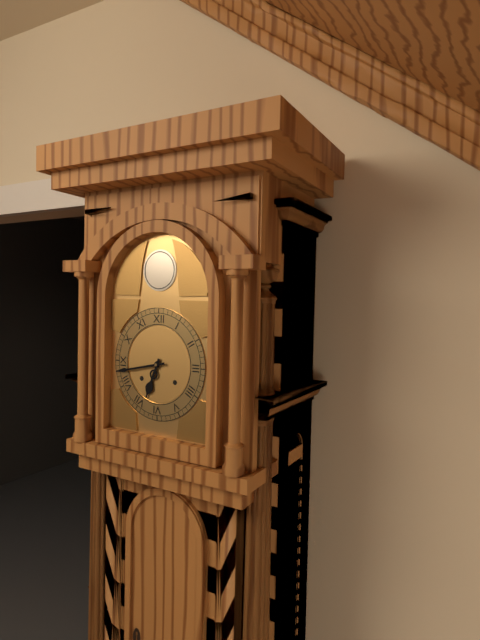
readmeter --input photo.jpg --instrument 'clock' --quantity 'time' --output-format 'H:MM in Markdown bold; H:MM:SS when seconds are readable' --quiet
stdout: **6:43**
